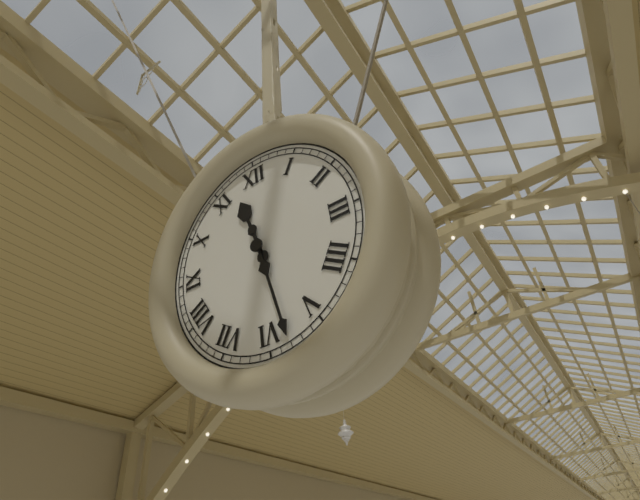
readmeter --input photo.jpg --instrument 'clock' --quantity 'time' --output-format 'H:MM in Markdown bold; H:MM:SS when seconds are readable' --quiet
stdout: **11:28**
